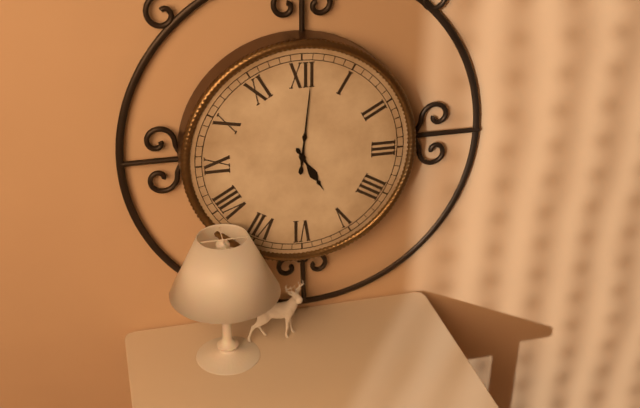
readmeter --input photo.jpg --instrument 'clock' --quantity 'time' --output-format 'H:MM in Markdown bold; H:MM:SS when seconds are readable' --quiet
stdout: **5:01**
